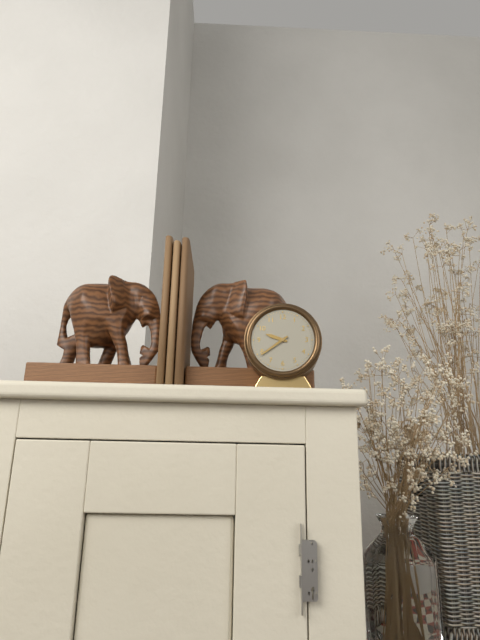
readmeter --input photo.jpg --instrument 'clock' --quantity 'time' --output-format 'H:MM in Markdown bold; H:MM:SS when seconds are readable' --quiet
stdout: **9:39**
